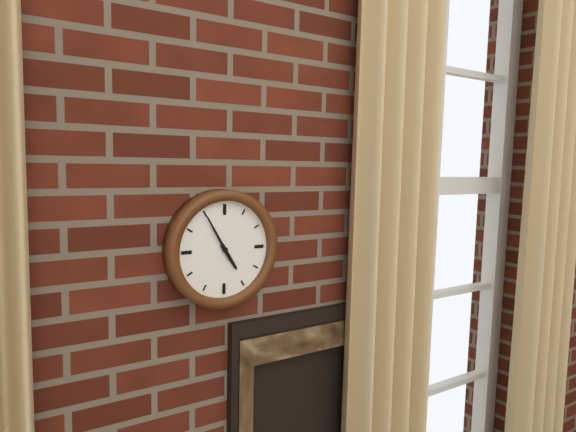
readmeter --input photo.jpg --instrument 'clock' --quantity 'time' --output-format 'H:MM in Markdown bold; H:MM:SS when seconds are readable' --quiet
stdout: **4:55**
